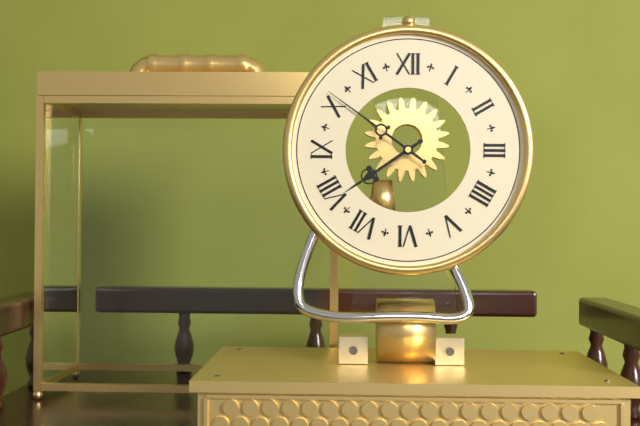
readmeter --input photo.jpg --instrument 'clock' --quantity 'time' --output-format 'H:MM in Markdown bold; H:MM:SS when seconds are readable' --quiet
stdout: **7:51**
